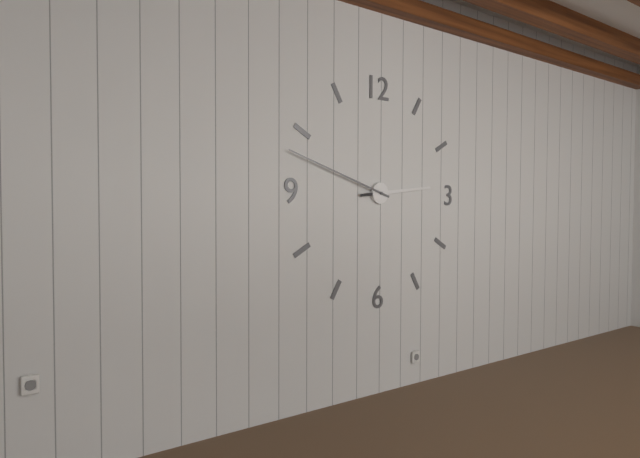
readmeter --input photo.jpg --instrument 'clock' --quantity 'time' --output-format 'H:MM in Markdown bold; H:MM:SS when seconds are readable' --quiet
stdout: **2:48**
